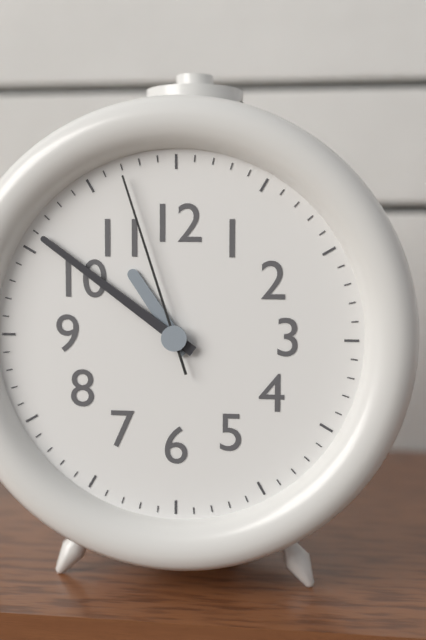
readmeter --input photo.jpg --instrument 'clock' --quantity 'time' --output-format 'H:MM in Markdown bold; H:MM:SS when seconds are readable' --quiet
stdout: **10:51:57**
